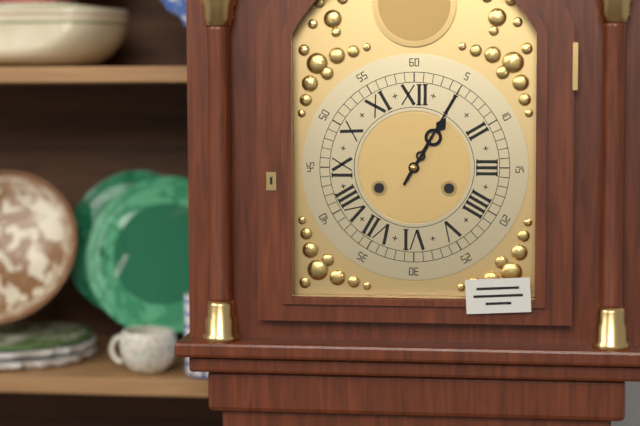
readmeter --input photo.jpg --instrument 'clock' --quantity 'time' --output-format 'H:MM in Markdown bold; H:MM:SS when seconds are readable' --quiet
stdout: **1:05**
